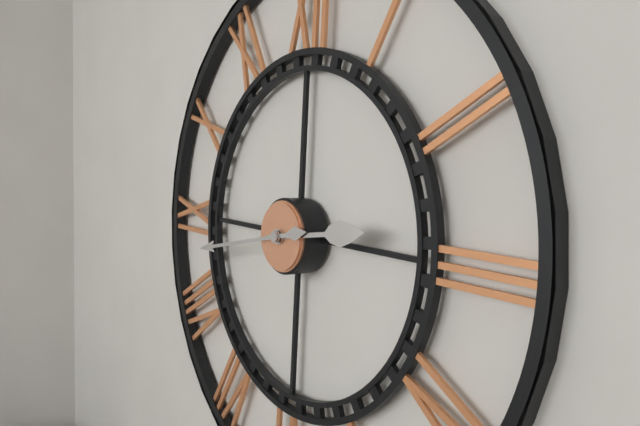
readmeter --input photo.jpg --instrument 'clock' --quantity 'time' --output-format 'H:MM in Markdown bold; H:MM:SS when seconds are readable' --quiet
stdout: **2:43**
